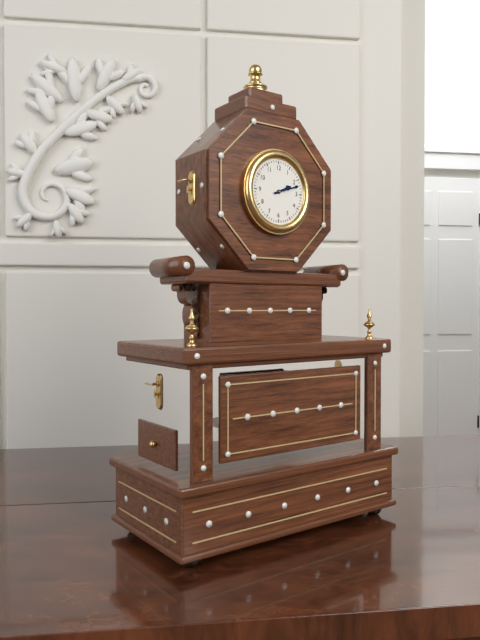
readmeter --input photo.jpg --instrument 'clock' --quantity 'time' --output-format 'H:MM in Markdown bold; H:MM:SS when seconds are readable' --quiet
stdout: **2:12**
